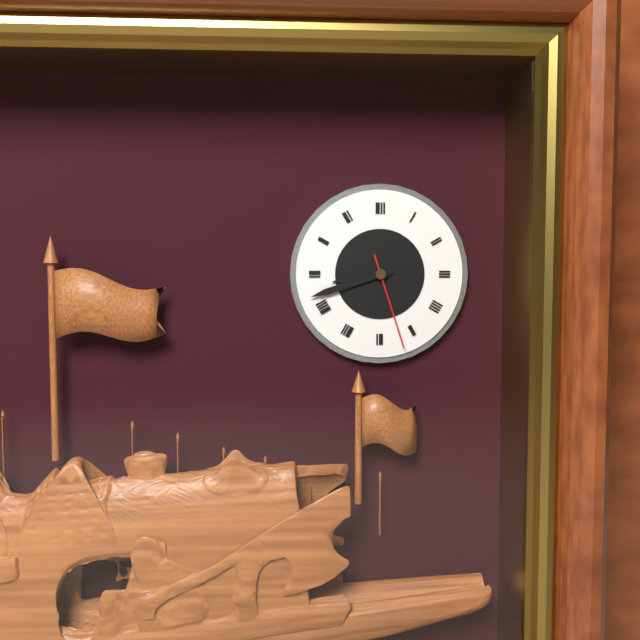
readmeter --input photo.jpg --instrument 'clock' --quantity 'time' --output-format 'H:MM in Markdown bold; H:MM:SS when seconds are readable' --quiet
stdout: **8:42:27**
